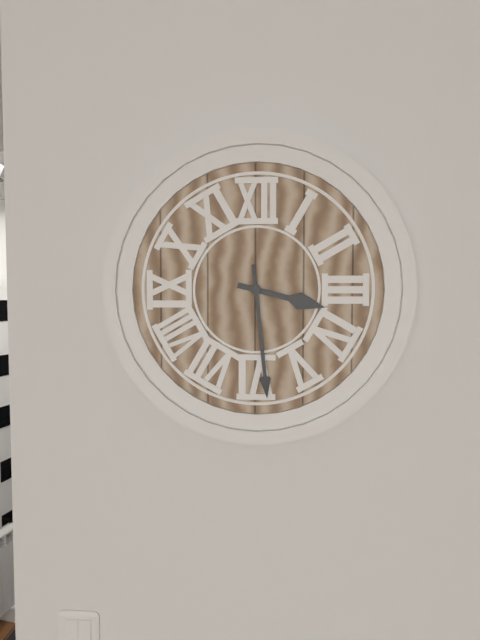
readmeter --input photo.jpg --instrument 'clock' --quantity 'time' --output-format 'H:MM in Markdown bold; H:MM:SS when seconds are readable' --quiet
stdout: **3:29**
